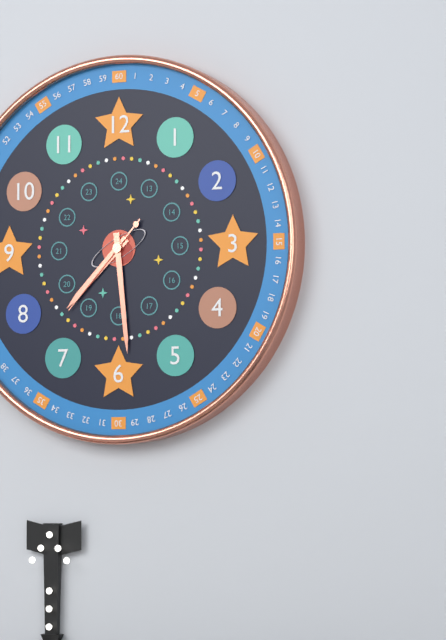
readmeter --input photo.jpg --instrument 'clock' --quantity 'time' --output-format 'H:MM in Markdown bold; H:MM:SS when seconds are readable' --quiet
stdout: **7:29:37**
